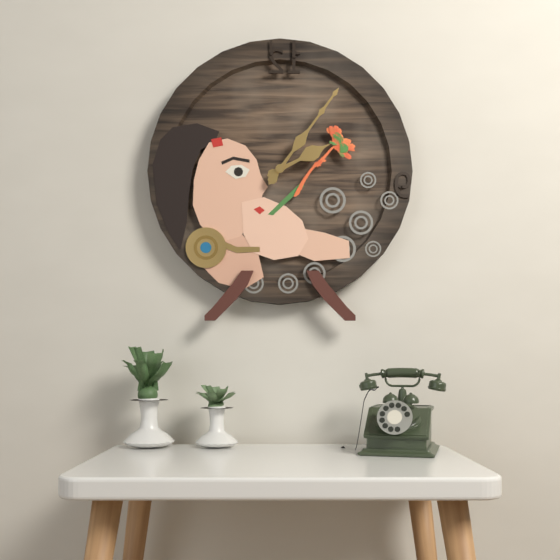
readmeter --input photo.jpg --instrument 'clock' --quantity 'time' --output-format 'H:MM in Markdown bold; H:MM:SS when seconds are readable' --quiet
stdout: **2:06**
